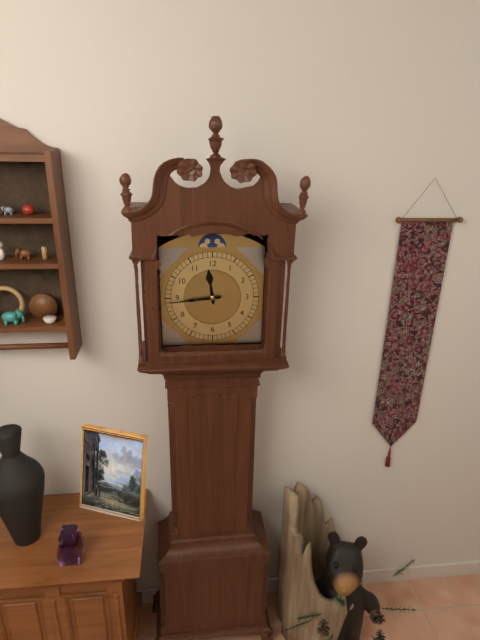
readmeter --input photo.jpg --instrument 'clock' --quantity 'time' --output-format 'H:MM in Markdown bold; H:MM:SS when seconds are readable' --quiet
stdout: **11:44**
